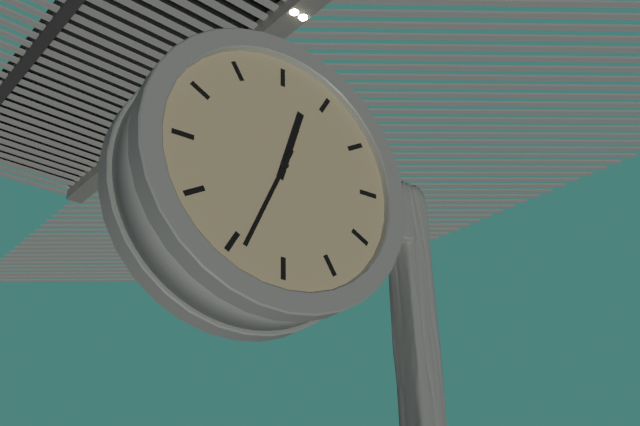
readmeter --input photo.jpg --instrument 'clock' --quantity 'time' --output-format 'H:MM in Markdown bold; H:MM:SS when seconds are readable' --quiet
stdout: **12:34**
